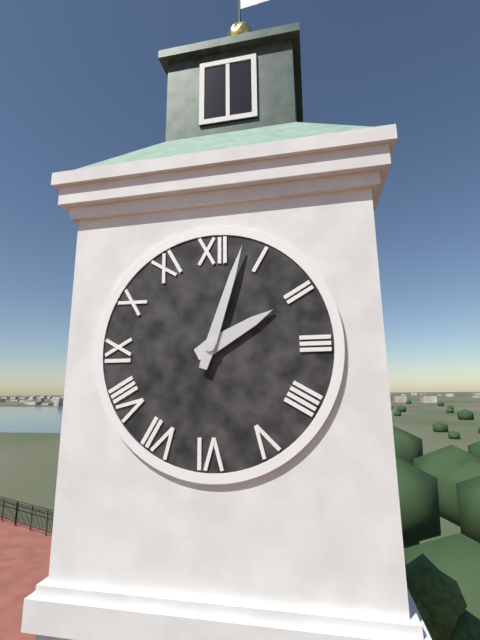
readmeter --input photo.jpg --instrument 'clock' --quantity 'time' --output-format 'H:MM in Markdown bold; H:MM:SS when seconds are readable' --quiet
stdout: **2:03**
